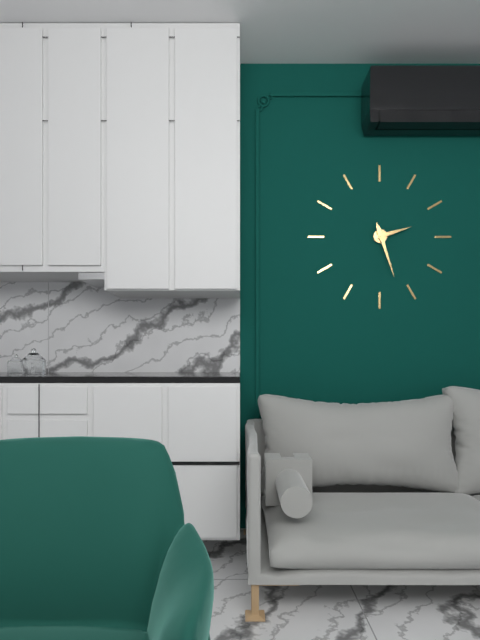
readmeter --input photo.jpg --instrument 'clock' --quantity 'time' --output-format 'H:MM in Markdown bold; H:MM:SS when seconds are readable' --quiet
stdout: **2:27**
